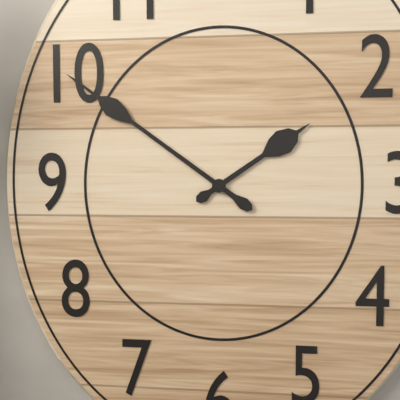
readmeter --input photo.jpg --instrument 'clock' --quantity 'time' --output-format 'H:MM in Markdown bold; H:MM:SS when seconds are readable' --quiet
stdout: **1:51**
